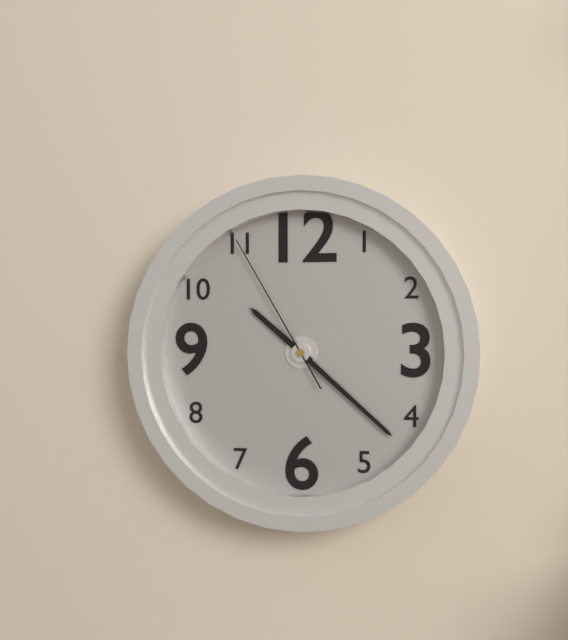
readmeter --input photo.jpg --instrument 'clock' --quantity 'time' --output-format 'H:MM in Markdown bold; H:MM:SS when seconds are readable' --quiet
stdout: **10:22:55**
